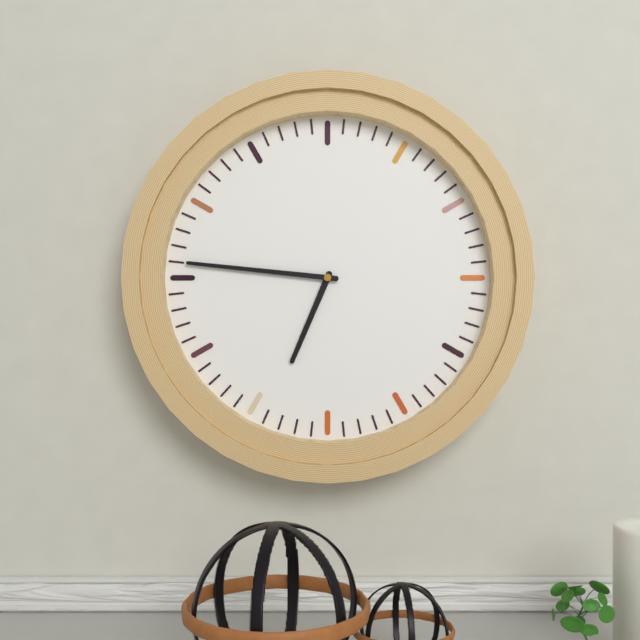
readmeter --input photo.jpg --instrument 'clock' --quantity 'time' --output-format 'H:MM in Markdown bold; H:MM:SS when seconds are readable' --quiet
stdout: **6:46**
